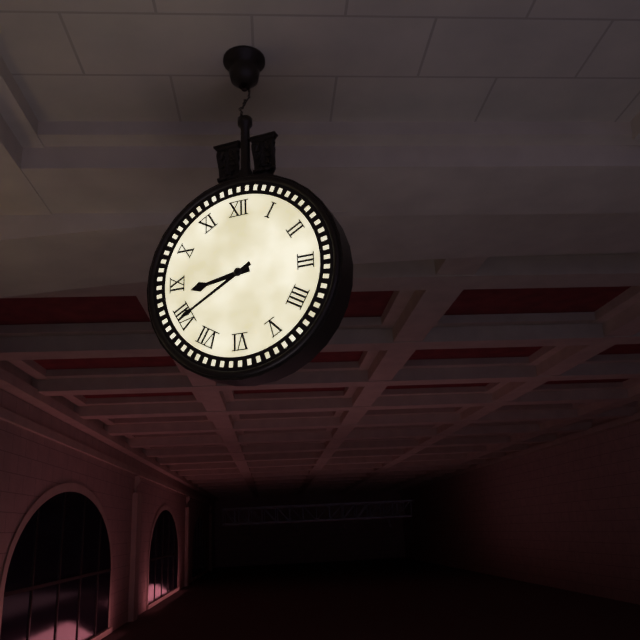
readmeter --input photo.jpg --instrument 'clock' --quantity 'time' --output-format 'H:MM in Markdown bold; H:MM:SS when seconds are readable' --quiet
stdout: **8:40**
